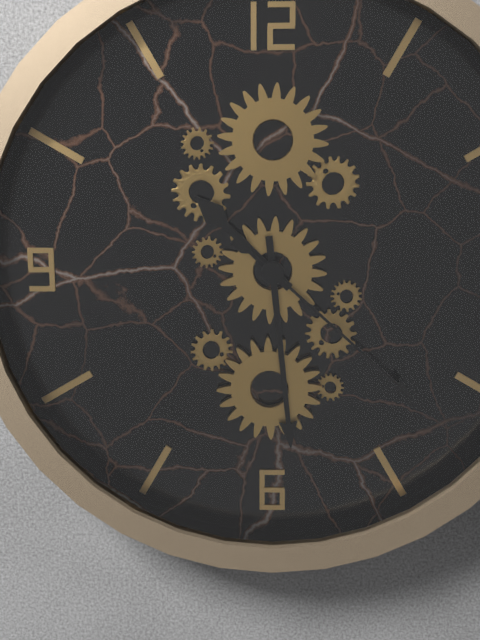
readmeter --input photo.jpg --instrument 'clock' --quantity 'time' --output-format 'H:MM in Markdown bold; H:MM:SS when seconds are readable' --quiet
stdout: **10:29:22**
